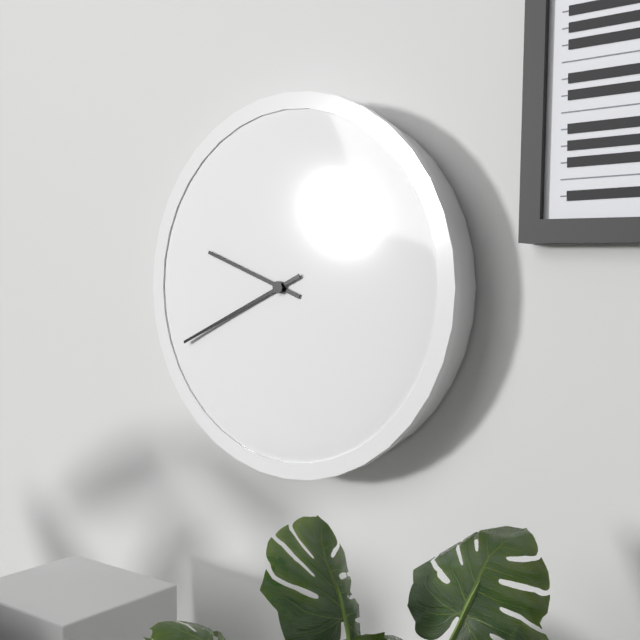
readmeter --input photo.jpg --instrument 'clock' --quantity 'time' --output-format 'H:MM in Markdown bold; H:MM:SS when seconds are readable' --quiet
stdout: **9:41**
